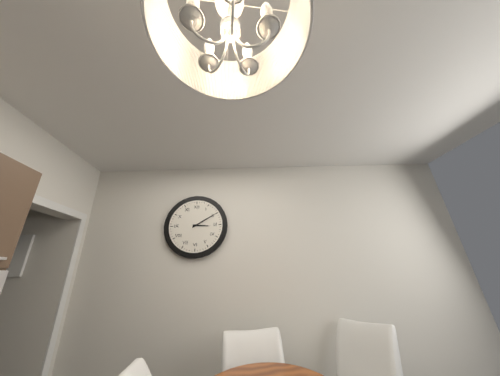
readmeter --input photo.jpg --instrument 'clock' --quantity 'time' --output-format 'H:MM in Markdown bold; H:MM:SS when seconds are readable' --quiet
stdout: **3:10**
